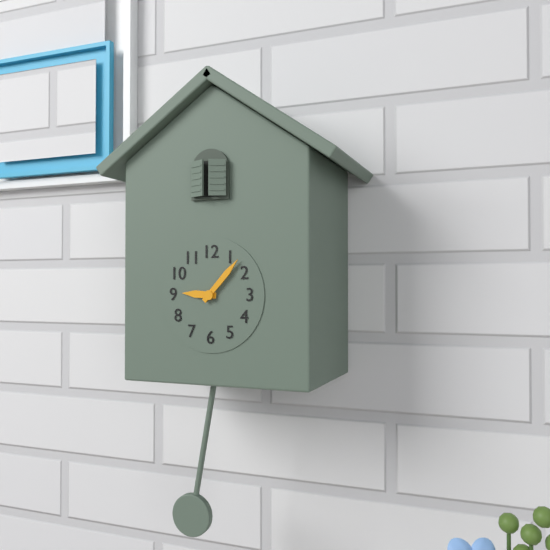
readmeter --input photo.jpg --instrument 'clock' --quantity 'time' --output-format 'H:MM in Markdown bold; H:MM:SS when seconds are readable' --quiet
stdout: **9:07**
